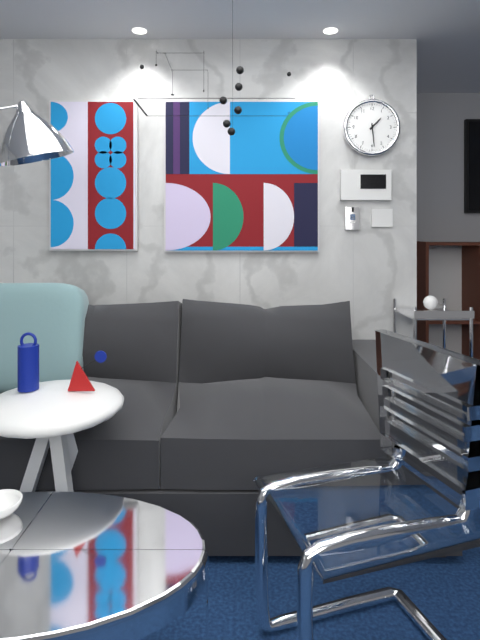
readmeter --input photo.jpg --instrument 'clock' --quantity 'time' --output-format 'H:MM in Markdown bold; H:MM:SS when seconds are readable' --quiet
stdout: **1:29**
